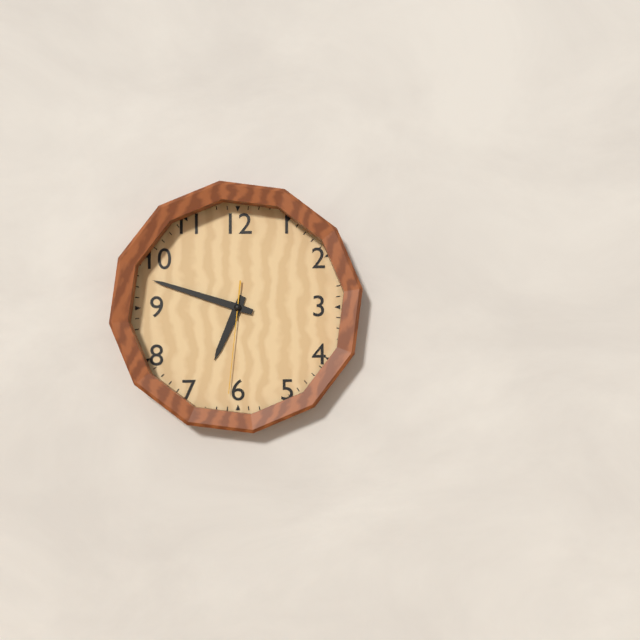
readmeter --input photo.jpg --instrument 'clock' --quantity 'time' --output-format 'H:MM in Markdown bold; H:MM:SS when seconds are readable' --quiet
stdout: **6:48:31**
